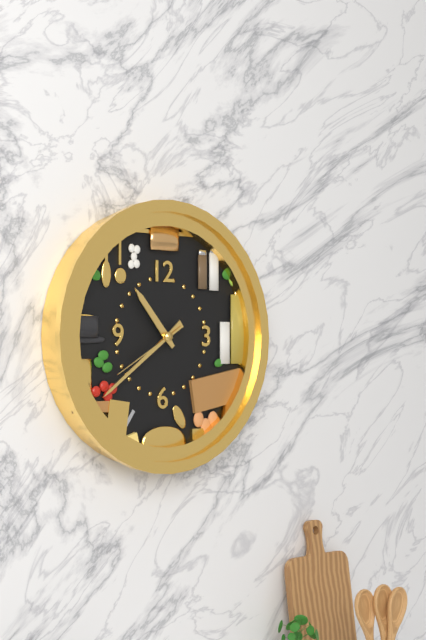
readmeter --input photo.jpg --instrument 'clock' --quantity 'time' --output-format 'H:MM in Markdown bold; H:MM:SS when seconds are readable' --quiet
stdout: **10:39:40**
